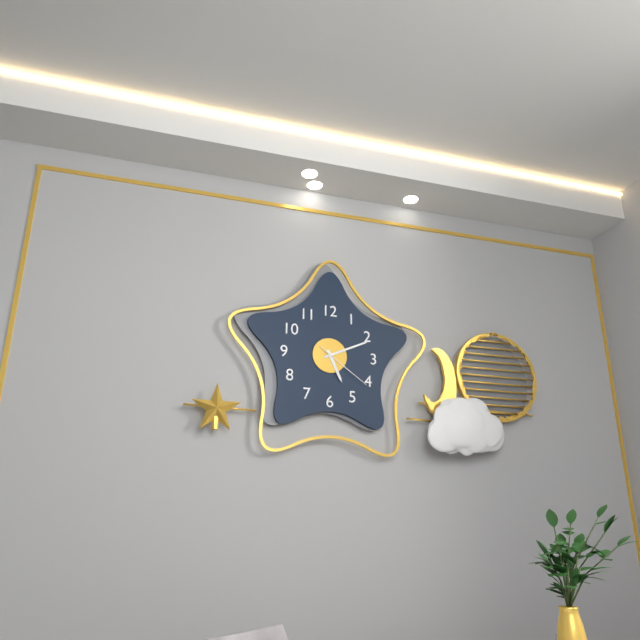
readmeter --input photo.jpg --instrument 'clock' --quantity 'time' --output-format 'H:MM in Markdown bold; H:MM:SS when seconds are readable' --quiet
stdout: **5:11:21**
